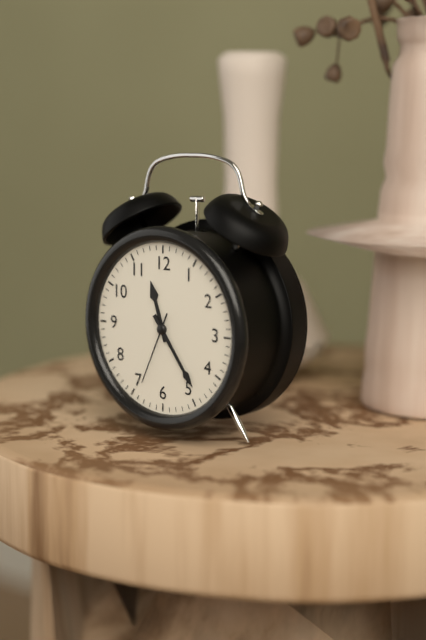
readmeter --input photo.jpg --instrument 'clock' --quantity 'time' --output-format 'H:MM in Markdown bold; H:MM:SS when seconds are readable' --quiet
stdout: **11:24:34**
